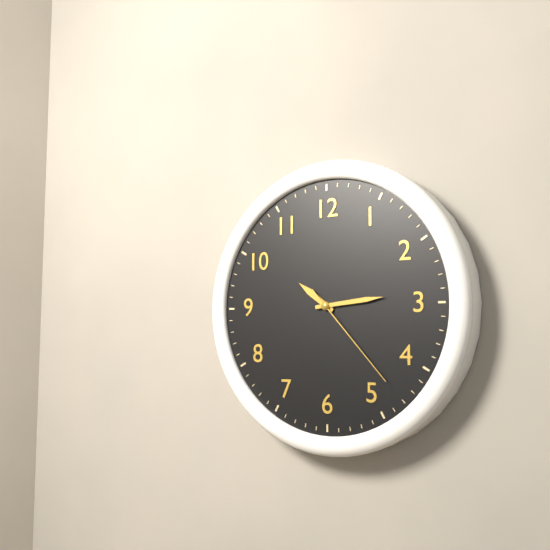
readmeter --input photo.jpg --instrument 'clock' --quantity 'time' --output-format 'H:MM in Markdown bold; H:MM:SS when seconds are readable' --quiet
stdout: **10:14:23**
